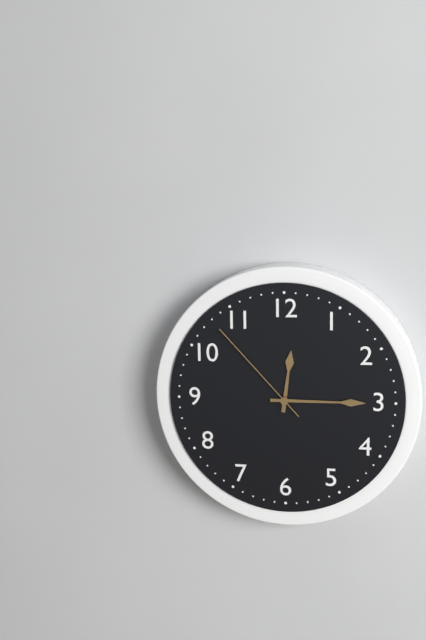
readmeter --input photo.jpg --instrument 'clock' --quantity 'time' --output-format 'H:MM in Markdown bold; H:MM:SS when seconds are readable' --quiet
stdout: **12:15:53**
